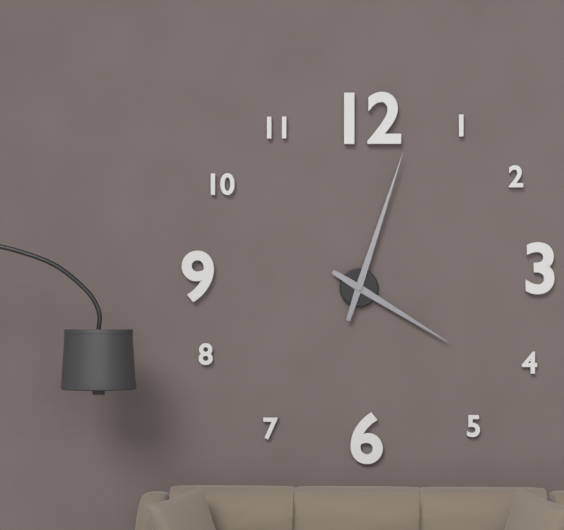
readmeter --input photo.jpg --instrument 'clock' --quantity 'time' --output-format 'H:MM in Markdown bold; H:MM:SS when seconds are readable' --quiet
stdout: **4:03**
